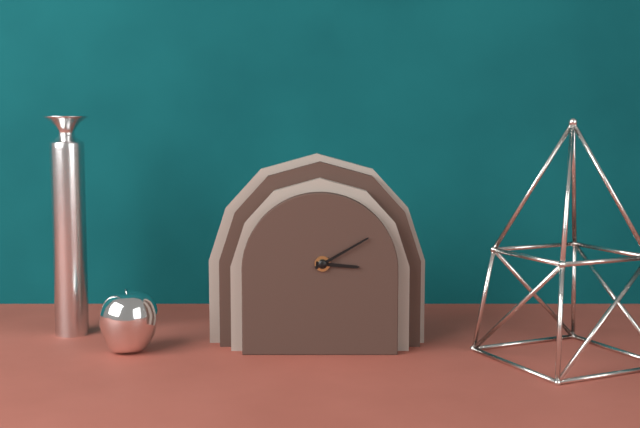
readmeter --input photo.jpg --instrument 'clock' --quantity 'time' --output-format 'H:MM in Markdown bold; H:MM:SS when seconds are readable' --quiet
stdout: **3:10**
